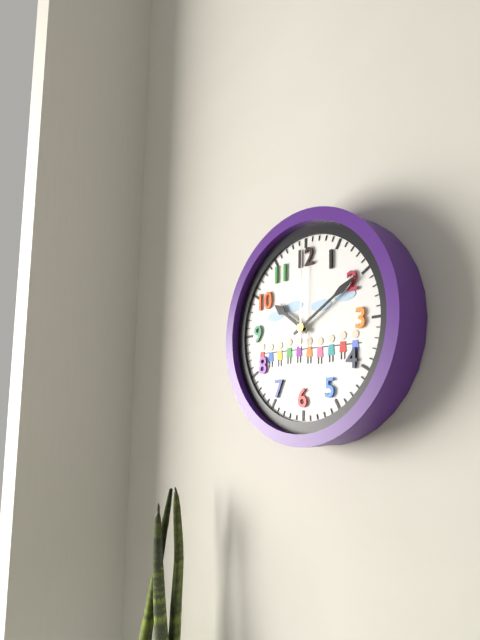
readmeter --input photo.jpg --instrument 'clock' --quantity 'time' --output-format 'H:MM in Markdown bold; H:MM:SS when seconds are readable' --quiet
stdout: **10:10:00**
